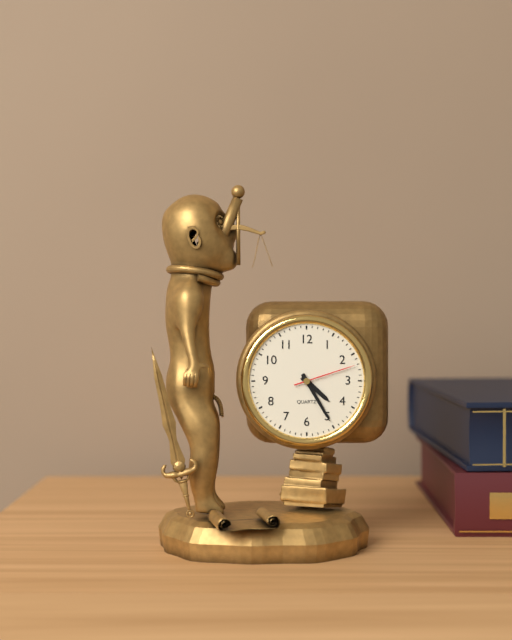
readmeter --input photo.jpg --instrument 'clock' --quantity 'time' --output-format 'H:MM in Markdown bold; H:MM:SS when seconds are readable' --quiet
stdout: **4:25:12**
